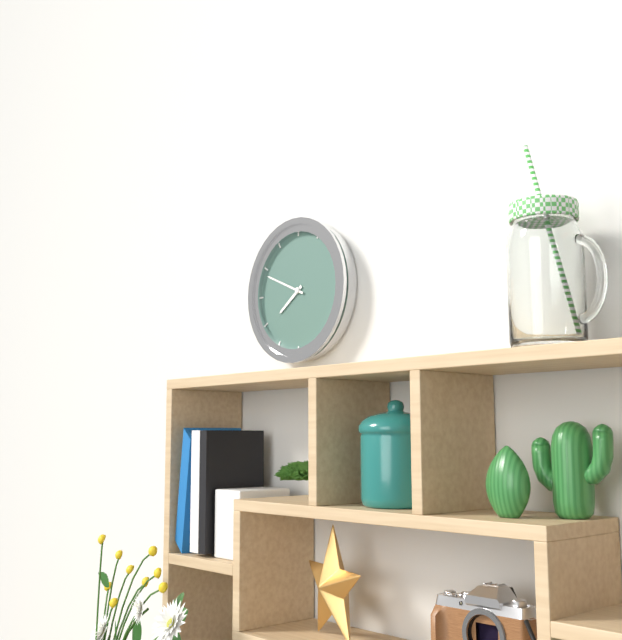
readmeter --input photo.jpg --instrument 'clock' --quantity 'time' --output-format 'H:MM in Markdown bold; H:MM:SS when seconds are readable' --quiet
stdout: **7:49**
